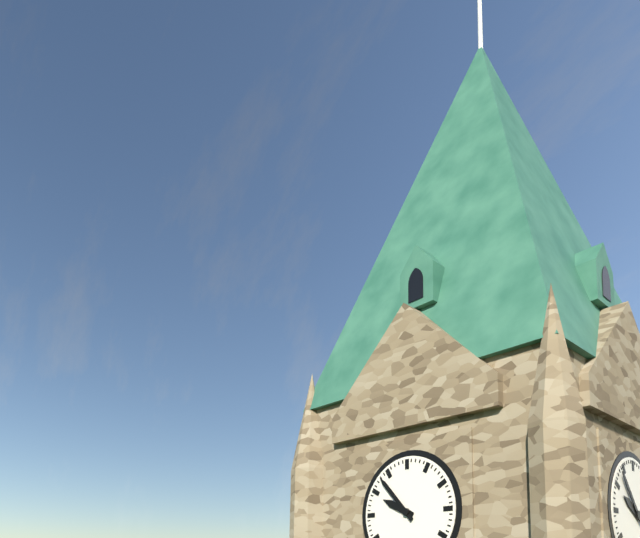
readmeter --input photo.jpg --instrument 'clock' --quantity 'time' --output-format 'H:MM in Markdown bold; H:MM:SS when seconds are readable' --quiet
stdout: **9:53**
